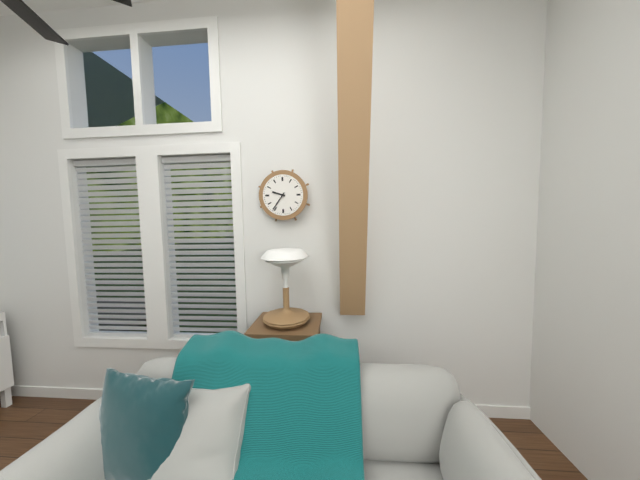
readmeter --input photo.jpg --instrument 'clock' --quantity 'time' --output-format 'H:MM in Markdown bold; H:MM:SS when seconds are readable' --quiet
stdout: **9:36**
